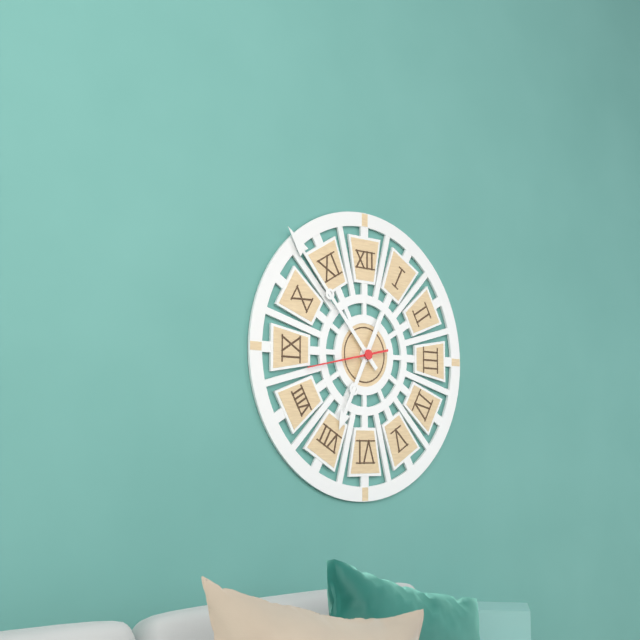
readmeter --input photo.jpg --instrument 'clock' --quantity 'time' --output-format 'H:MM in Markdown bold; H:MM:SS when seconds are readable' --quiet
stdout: **6:53:43**
